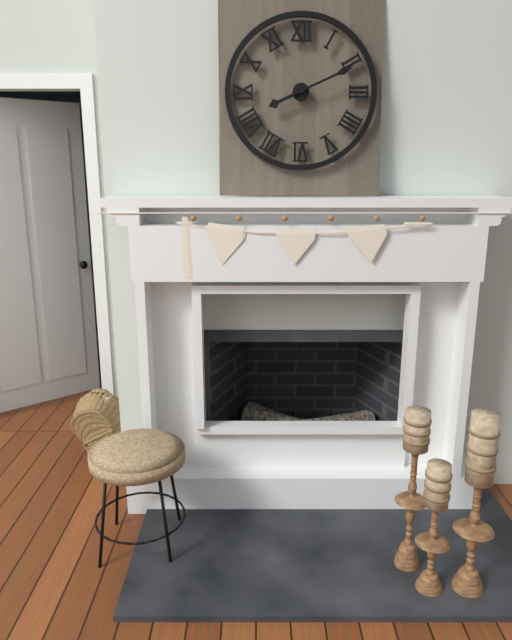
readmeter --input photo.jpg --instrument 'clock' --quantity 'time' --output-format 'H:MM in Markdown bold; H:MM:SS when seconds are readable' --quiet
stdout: **8:11**
